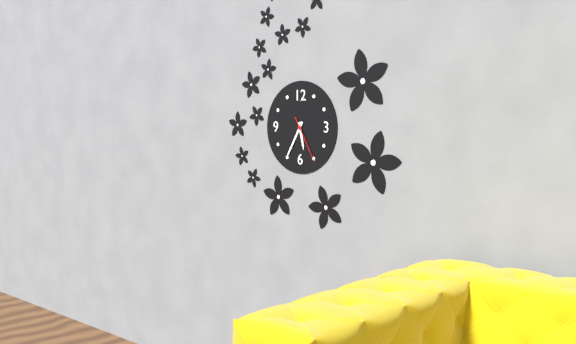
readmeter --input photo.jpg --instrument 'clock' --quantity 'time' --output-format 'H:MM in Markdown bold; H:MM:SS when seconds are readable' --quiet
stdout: **5:35**
